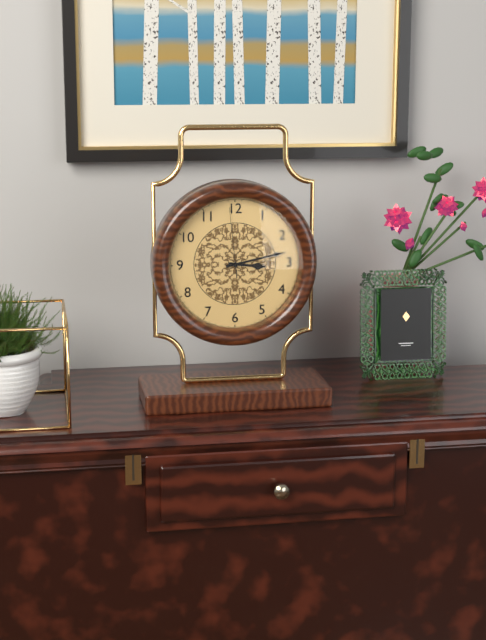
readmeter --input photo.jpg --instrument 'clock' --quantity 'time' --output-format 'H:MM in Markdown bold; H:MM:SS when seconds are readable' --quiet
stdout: **3:13:59**
